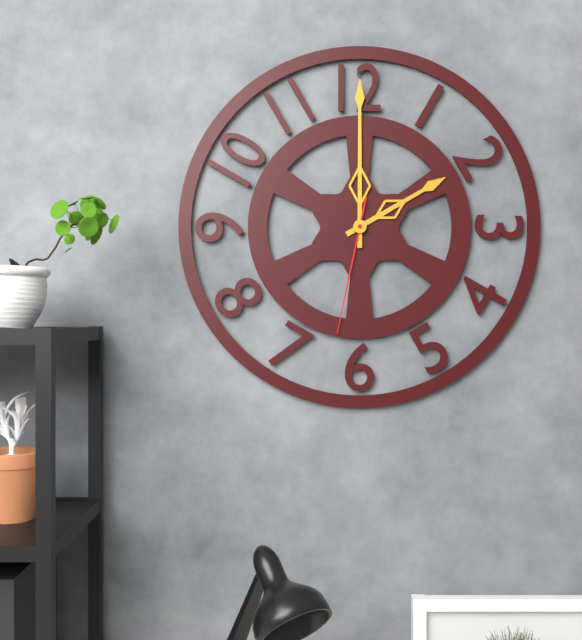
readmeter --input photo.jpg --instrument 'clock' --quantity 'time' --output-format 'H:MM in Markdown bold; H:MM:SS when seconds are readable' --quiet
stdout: **2:00:32**
